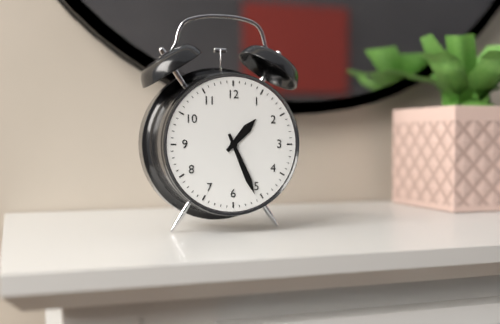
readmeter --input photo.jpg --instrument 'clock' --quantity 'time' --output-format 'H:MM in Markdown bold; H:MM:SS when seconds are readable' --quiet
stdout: **1:26**
